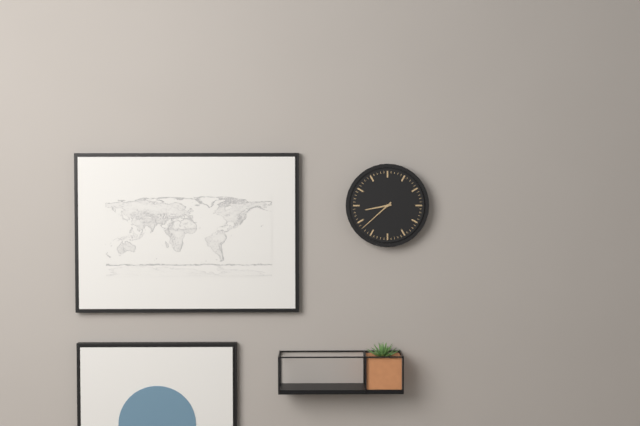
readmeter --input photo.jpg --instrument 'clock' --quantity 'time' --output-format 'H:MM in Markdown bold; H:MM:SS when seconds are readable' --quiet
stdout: **8:38**
